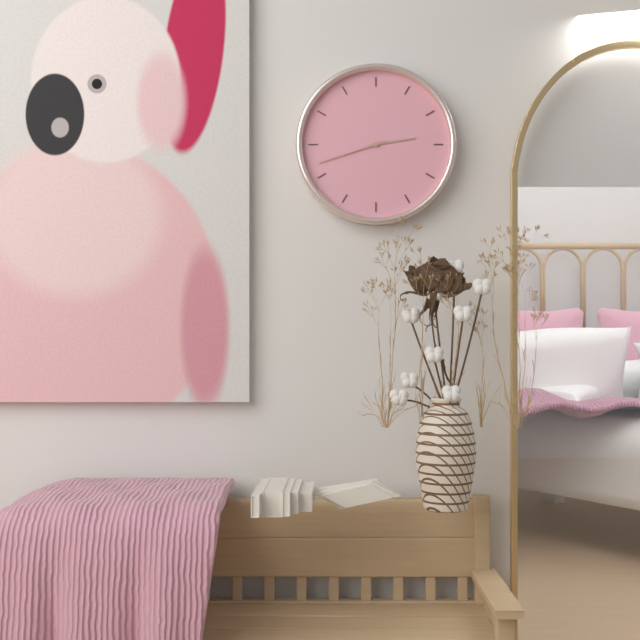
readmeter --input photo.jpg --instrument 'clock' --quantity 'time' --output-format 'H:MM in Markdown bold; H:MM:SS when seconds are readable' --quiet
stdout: **2:42**
